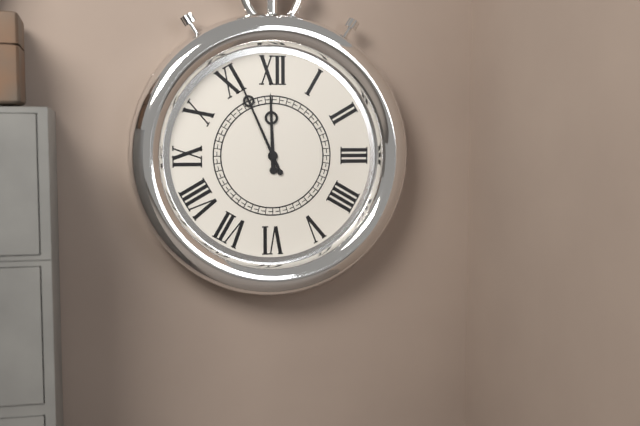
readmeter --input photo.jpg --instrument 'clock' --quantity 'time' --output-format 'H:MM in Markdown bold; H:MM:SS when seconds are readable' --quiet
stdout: **11:56**
